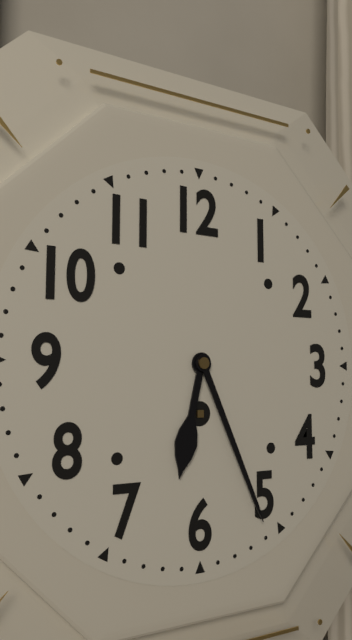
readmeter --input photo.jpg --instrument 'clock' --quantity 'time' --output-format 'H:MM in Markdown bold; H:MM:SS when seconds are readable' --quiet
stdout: **6:26**
